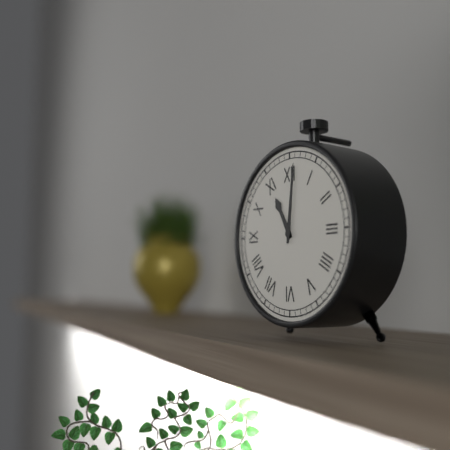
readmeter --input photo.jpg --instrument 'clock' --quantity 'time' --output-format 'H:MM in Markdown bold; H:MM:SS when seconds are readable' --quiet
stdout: **11:01**
